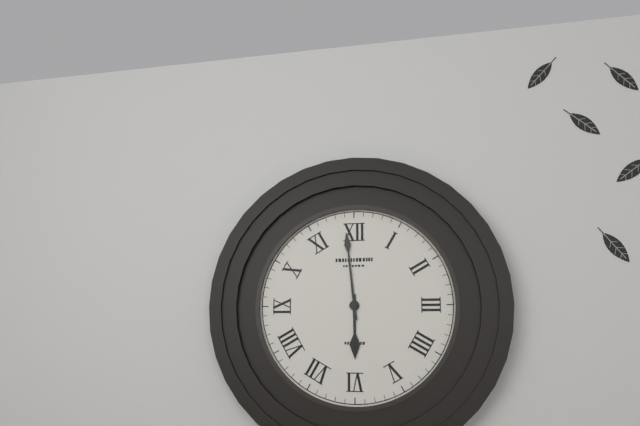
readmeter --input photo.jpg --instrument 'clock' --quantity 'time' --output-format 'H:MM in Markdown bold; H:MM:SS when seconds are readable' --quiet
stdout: **5:59**
